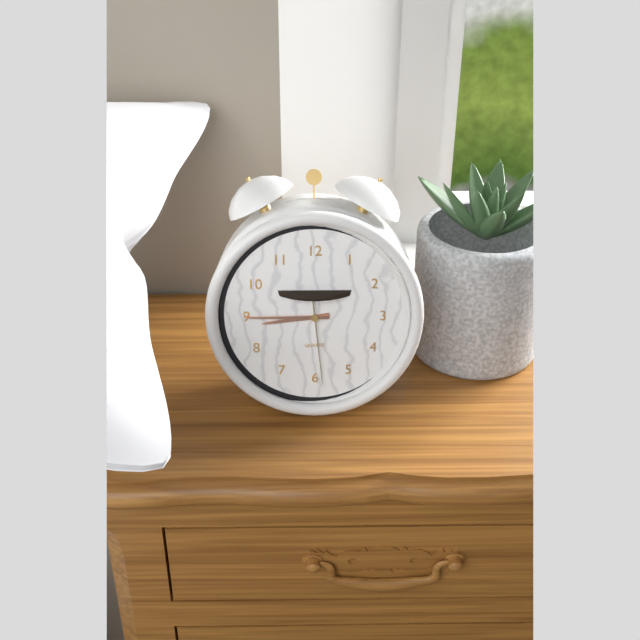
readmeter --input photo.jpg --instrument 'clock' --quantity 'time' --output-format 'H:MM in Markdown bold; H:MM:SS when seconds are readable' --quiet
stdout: **8:45:29**
